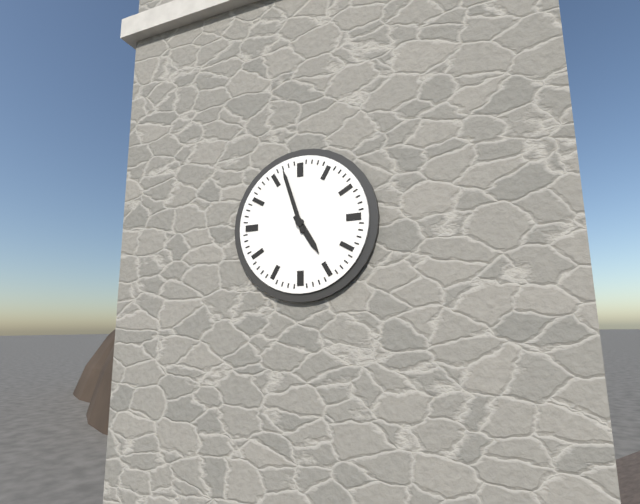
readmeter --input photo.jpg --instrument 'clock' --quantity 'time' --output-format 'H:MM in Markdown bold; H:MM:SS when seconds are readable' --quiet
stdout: **4:57**
